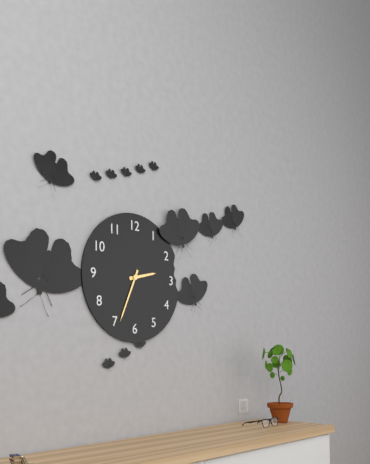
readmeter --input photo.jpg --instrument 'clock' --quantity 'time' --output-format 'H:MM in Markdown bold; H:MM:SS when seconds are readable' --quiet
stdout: **2:34**
